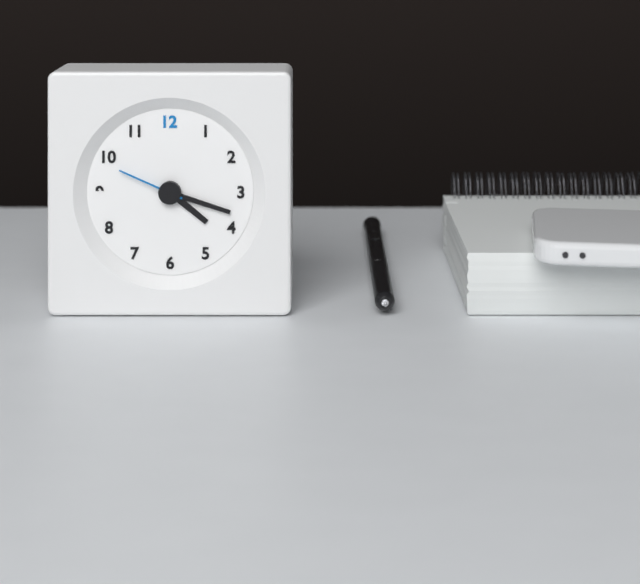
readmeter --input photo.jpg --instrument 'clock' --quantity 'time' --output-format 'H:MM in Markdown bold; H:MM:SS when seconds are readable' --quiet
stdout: **4:18:49**
